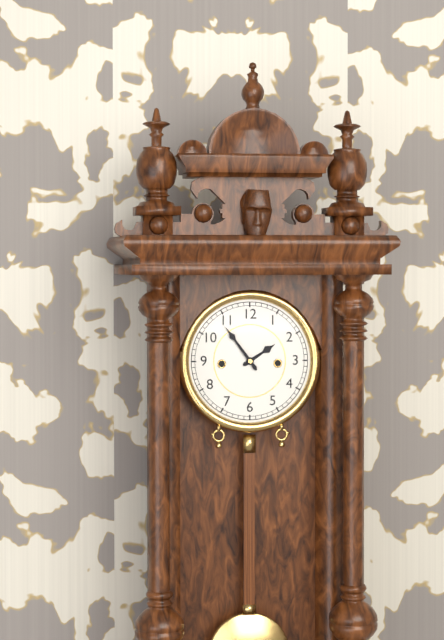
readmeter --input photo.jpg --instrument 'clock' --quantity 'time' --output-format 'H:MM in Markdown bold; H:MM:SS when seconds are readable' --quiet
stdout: **1:54**
